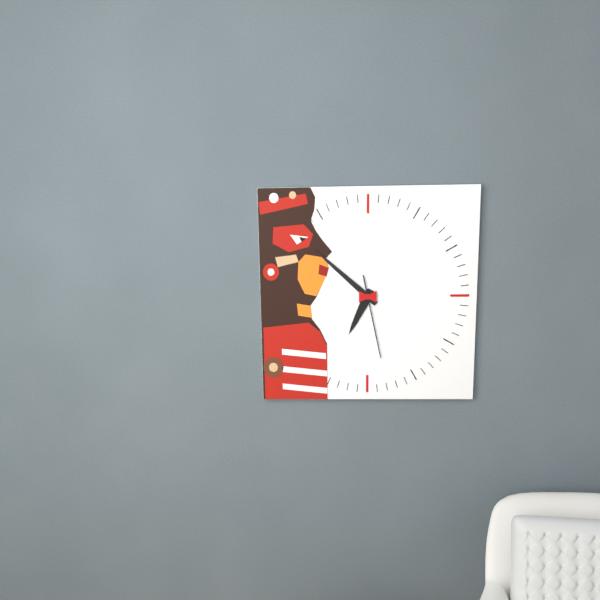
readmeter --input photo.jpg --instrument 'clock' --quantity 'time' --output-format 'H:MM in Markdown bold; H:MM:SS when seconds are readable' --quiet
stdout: **6:52:28**
